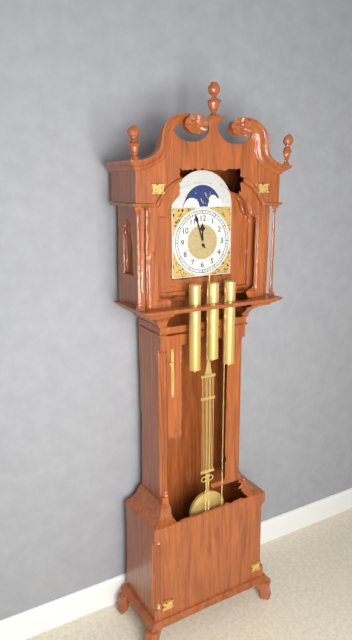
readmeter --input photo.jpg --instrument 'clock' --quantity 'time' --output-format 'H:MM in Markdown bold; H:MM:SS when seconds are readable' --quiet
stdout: **11:57**
